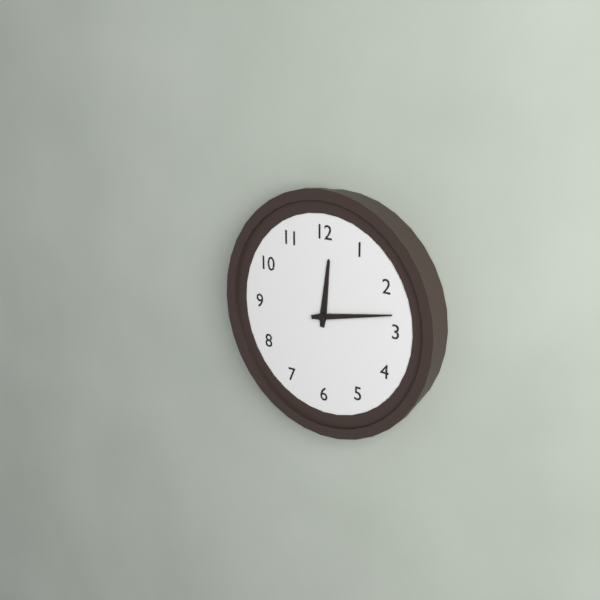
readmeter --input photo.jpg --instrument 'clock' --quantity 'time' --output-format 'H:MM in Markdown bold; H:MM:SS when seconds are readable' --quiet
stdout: **12:13**
